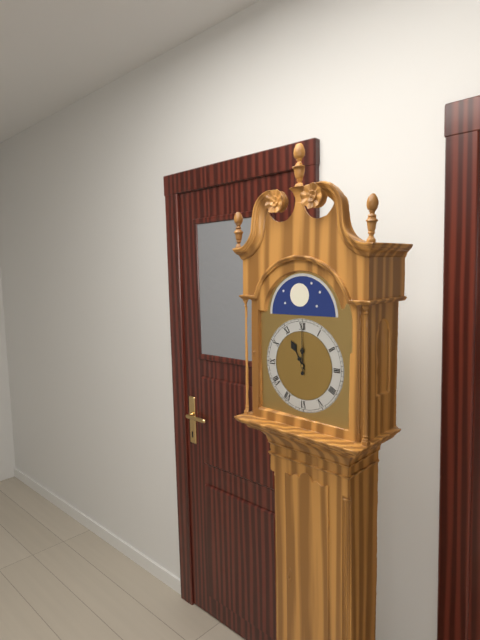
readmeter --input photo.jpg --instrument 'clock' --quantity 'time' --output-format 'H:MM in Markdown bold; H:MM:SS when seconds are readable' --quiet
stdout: **11:00**
